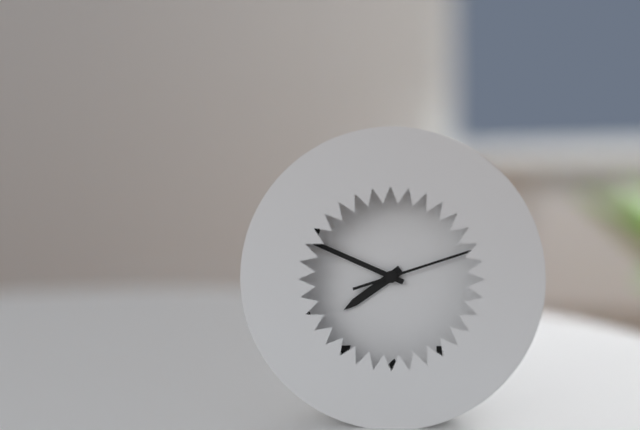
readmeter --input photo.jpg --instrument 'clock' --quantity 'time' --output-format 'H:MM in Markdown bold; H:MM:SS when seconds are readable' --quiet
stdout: **7:49:12**
